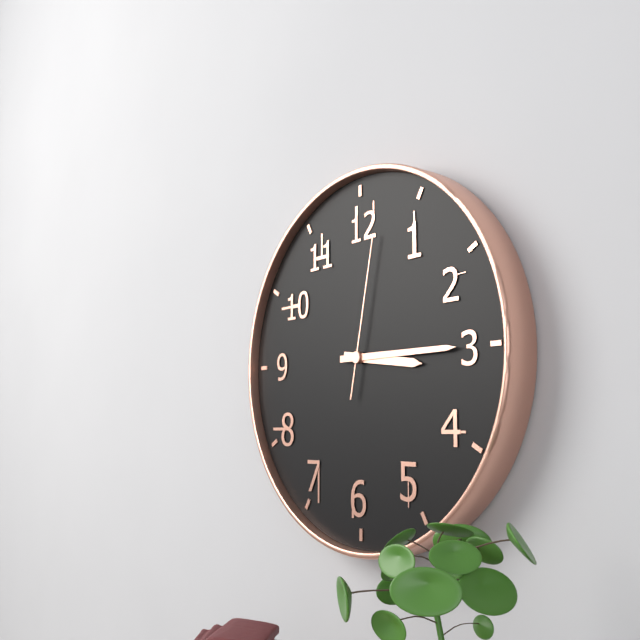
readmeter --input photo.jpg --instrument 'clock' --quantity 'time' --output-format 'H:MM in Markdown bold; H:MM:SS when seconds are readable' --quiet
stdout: **3:15:02**
